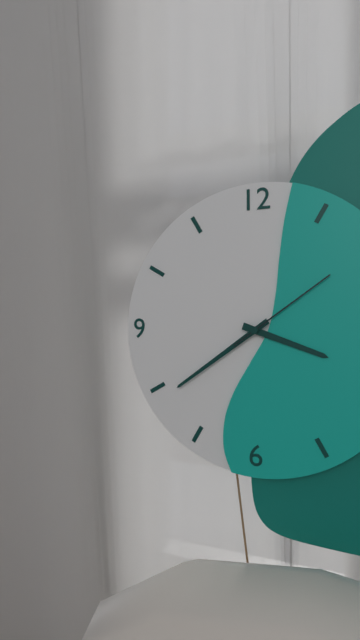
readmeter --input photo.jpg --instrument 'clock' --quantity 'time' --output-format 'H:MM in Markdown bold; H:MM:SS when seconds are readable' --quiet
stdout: **3:39:09**
